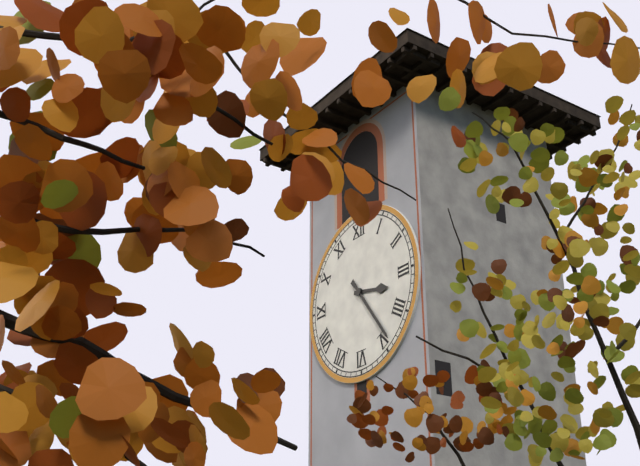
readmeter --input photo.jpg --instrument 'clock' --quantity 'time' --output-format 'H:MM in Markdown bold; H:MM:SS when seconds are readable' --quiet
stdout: **3:24**
